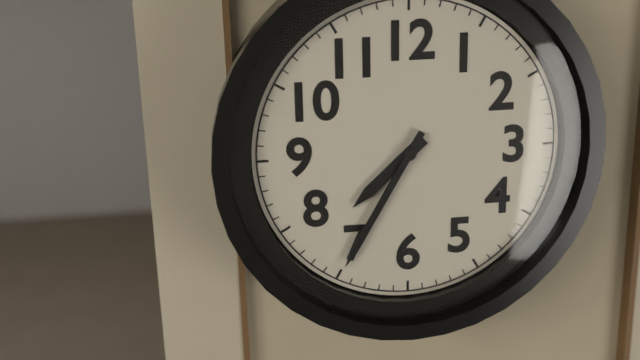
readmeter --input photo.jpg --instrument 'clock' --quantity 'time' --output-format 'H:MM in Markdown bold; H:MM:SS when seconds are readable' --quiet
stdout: **7:35**
